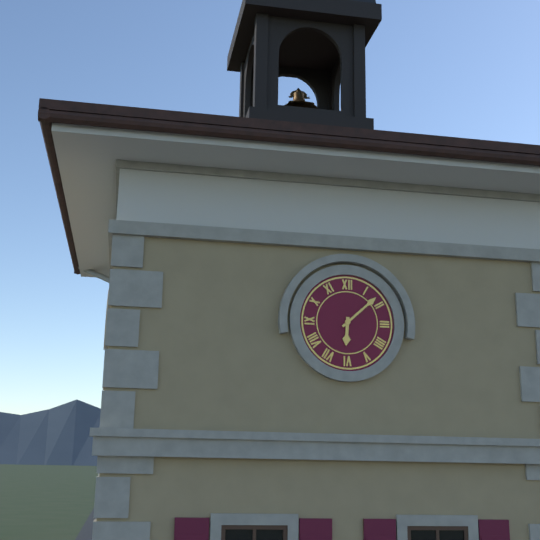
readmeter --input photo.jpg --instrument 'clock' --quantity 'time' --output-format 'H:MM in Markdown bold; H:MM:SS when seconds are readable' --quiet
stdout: **6:08**
